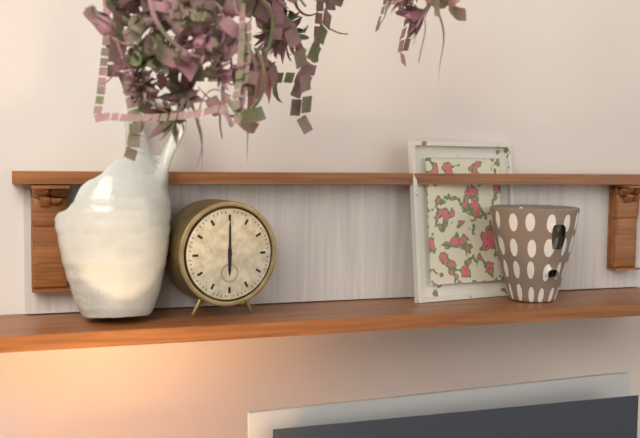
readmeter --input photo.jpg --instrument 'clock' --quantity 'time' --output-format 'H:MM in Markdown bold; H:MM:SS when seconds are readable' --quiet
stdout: **6:00**
